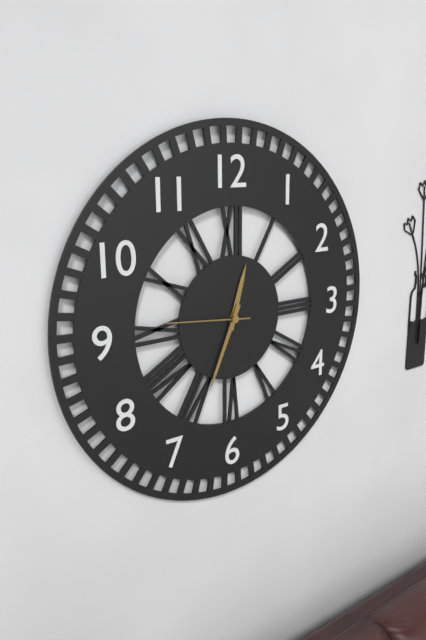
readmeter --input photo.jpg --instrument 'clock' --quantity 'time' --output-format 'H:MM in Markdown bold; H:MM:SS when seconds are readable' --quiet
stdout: **12:34:46**
